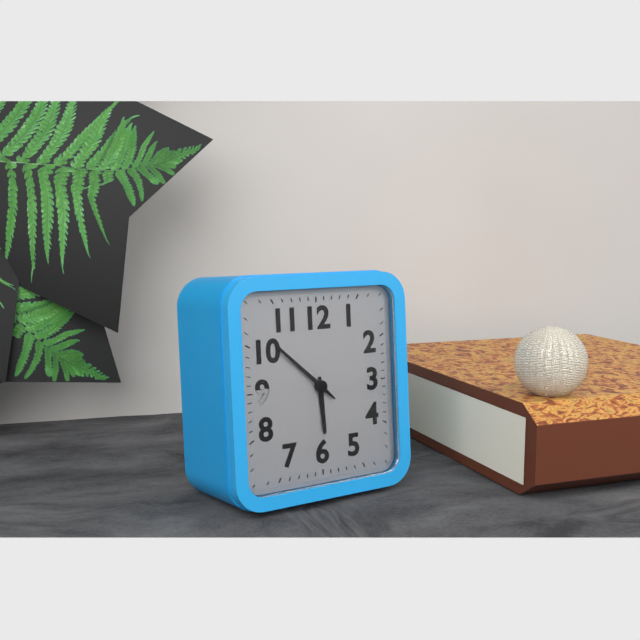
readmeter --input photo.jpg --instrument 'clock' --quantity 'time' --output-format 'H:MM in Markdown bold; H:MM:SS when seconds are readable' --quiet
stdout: **5:52**
